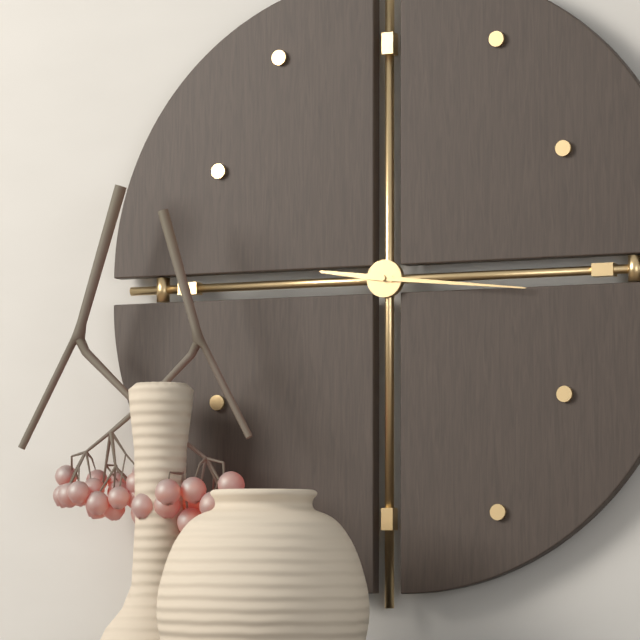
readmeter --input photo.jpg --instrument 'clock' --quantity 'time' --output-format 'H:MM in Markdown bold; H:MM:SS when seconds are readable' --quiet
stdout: **9:16**
